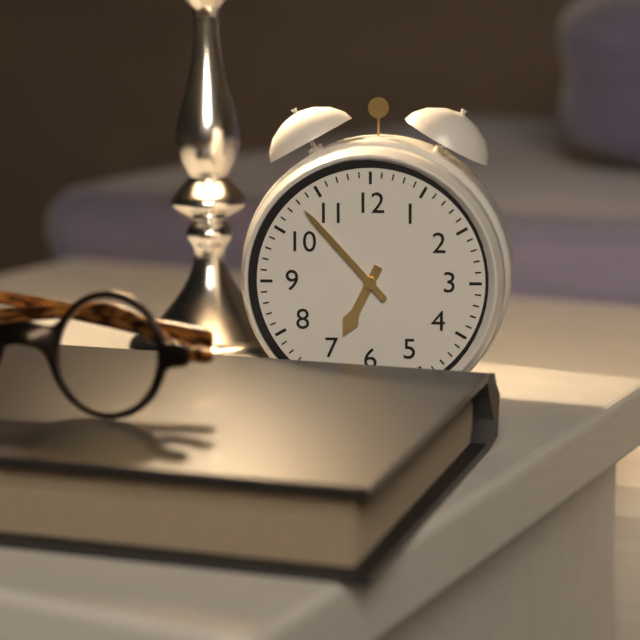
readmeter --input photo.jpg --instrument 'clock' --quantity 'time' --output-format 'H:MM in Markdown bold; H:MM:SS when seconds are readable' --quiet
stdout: **6:53**
